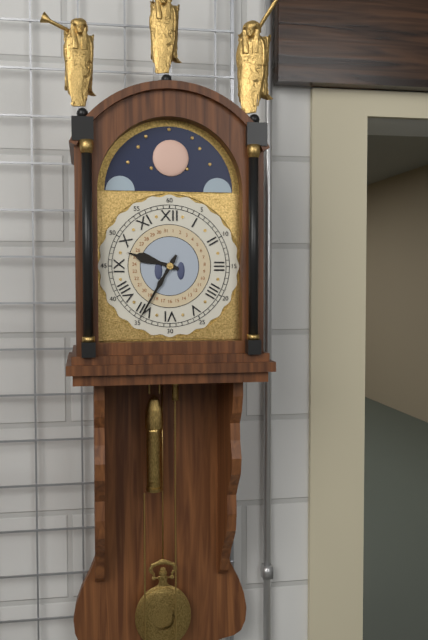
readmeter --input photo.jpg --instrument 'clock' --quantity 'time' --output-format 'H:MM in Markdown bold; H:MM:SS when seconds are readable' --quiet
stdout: **9:35**
